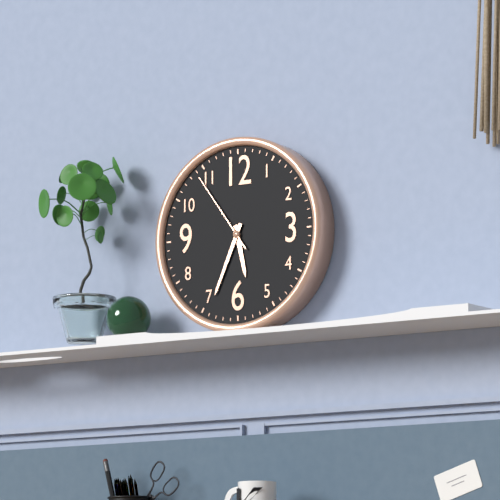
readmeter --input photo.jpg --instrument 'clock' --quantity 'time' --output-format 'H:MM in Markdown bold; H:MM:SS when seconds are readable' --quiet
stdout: **5:34:54**
